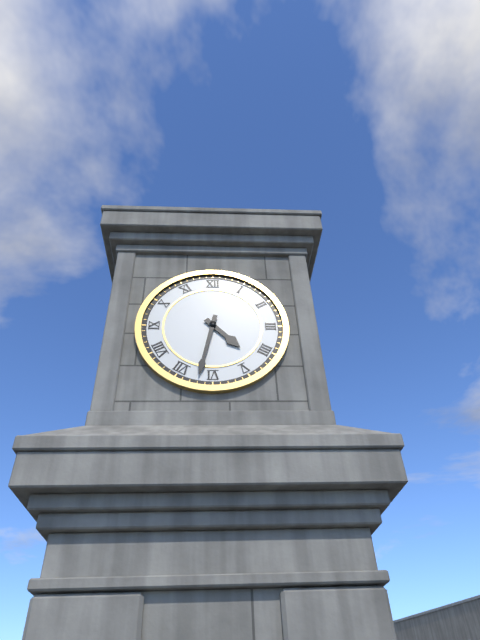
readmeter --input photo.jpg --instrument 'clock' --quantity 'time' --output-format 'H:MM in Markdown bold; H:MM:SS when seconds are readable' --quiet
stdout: **4:32**
